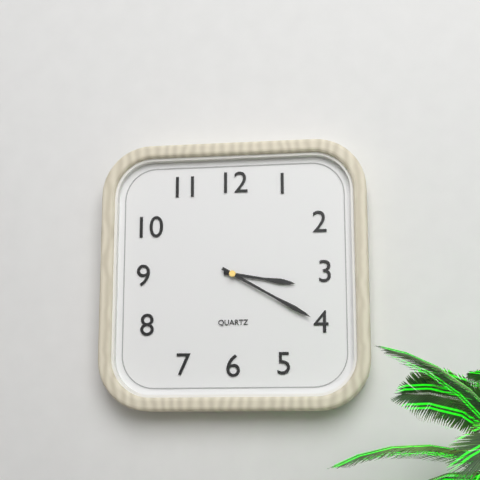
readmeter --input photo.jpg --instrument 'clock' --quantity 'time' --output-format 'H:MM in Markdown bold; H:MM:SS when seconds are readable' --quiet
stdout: **3:20**
